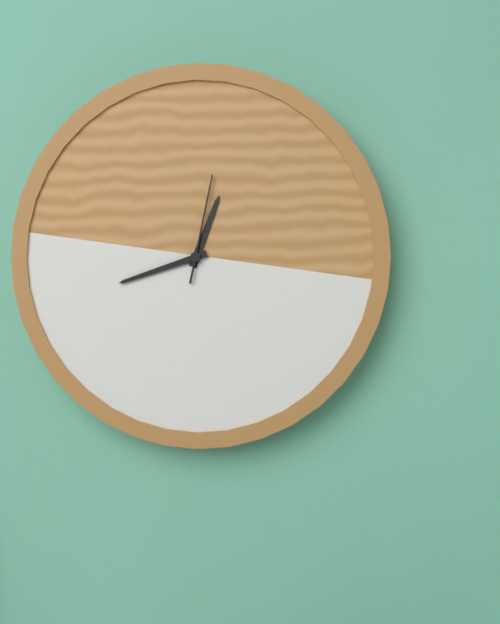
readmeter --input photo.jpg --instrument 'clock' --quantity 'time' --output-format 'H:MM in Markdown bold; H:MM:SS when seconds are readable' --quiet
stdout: **12:42:02**
